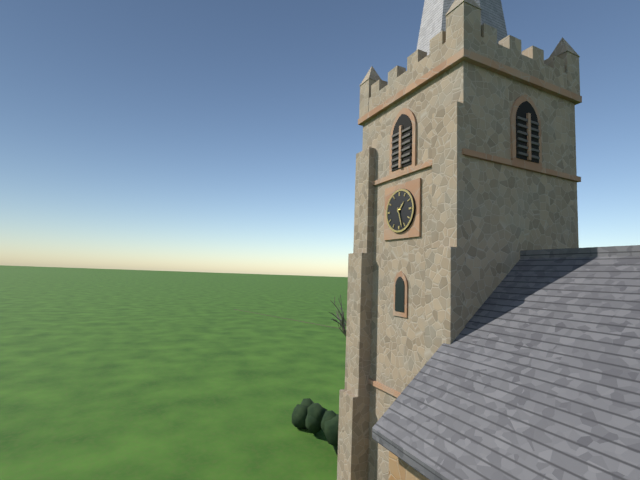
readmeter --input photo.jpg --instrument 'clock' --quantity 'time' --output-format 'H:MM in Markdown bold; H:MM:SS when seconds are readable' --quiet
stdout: **1:27**
